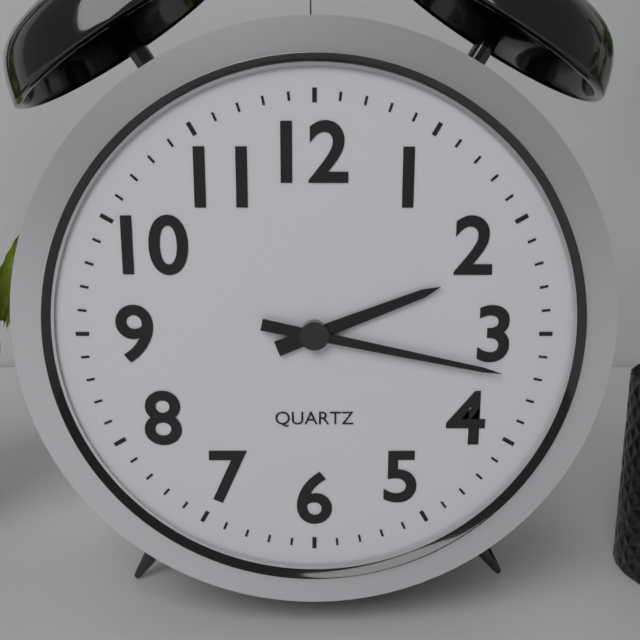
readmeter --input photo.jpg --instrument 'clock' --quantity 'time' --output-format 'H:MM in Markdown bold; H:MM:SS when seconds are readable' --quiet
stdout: **2:17**
